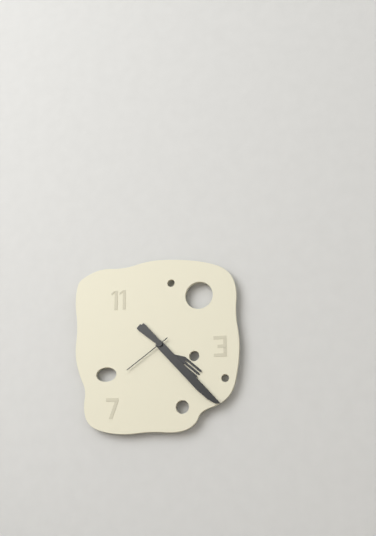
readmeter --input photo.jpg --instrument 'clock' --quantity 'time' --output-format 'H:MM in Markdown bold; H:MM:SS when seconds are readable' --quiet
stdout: **4:23:39**
